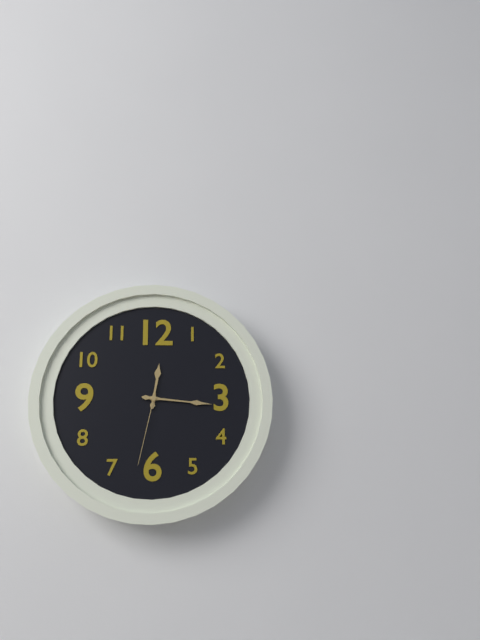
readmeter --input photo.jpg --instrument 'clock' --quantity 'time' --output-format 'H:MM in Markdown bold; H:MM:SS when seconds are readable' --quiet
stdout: **12:16:32**
